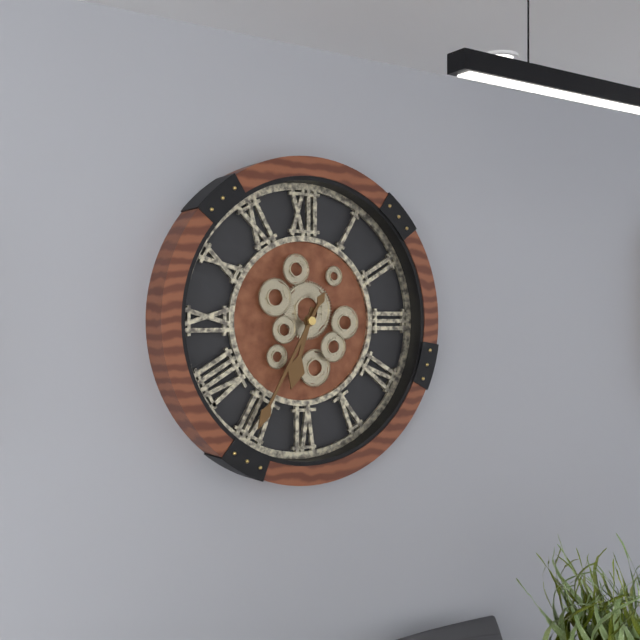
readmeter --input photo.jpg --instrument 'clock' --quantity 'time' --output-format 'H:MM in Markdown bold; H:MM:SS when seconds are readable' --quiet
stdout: **6:35**
